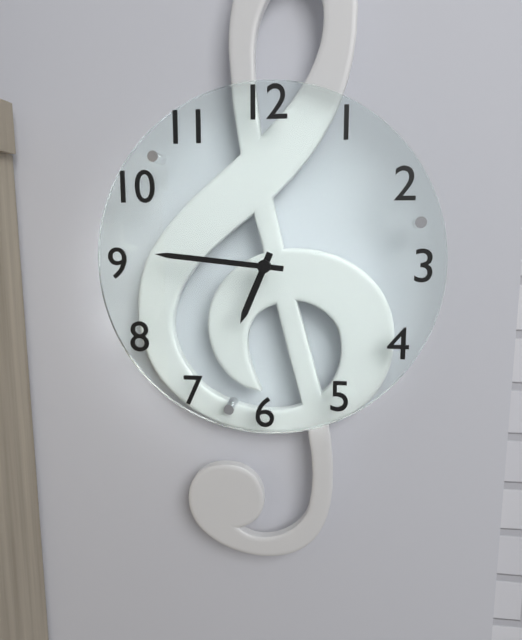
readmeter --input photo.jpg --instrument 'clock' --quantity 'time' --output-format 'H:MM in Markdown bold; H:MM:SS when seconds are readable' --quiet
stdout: **6:46**
